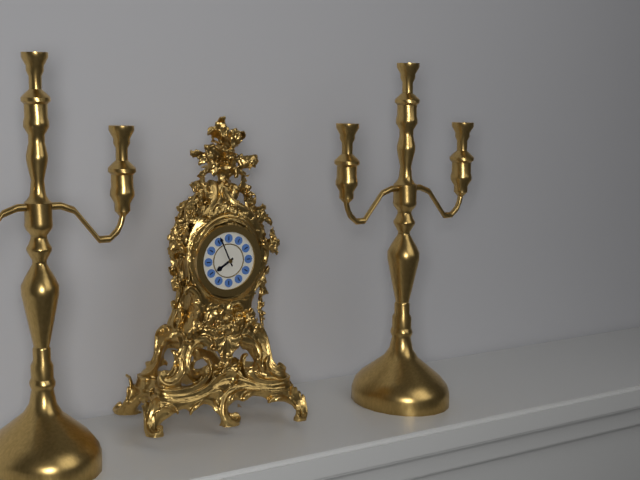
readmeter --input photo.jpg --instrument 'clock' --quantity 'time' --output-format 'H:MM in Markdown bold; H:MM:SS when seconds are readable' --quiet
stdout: **7:56**
